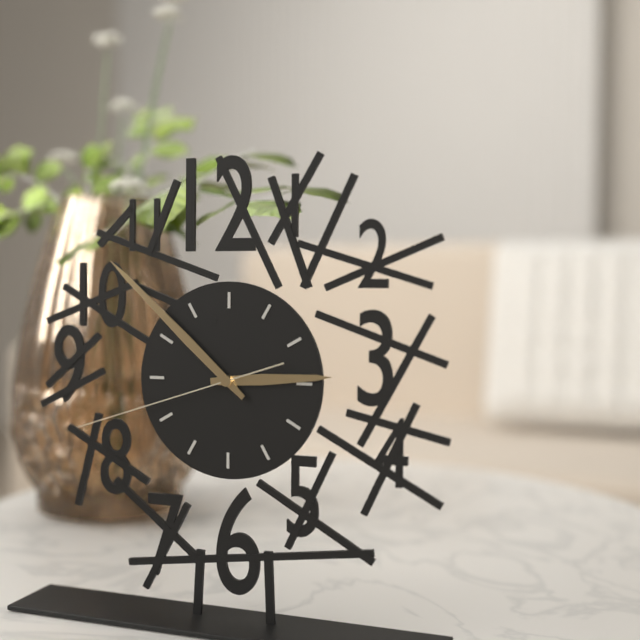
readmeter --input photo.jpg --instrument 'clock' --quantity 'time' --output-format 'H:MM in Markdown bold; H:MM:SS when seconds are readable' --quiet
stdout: **2:52:42**
